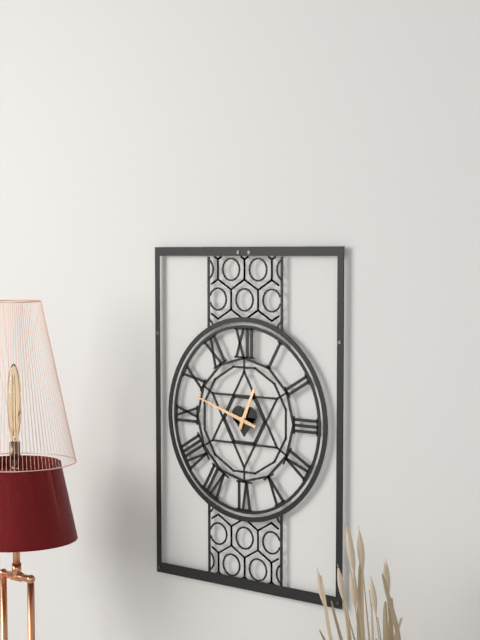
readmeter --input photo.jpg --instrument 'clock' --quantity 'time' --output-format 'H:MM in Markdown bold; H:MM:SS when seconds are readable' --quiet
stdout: **12:48**
